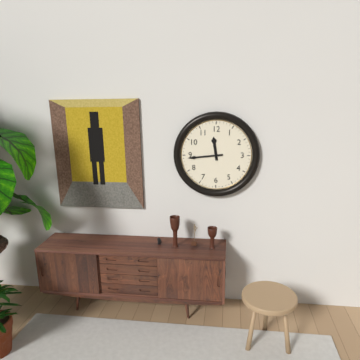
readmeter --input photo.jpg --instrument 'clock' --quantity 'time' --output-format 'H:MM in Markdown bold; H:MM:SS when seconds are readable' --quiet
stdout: **11:44**
